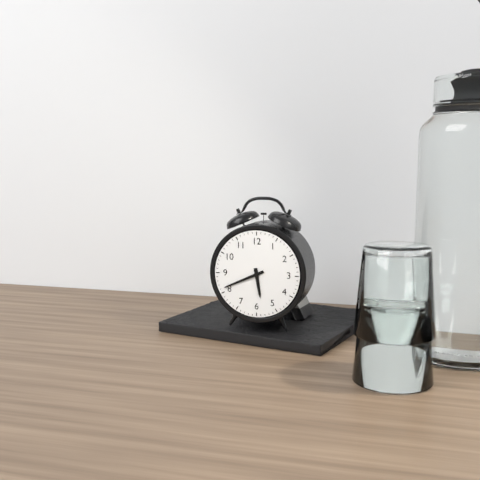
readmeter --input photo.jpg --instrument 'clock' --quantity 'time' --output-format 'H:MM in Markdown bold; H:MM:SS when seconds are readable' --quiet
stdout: **5:41**
